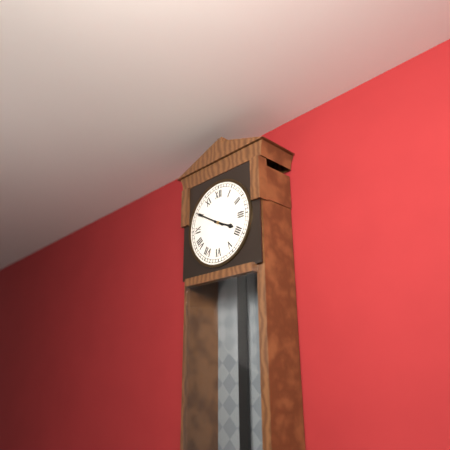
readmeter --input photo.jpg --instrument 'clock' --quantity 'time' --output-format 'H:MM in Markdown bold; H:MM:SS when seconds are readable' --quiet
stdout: **3:50**
